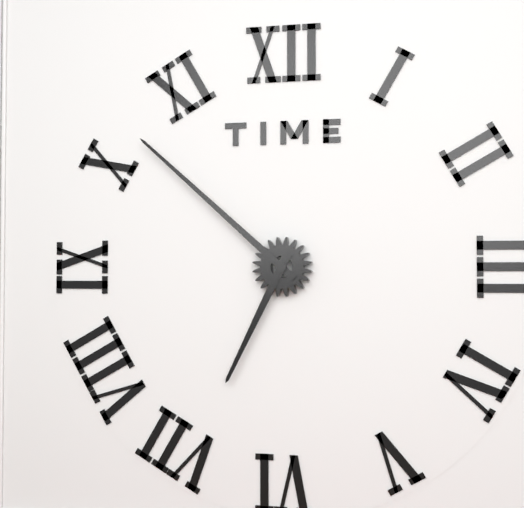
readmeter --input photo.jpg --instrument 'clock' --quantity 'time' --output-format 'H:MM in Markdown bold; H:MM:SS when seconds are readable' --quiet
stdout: **6:52**
